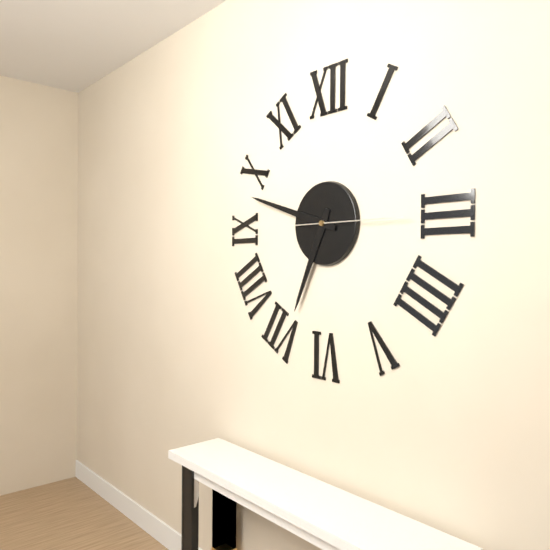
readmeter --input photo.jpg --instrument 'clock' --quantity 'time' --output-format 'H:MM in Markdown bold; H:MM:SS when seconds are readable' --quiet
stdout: **6:48:15**
